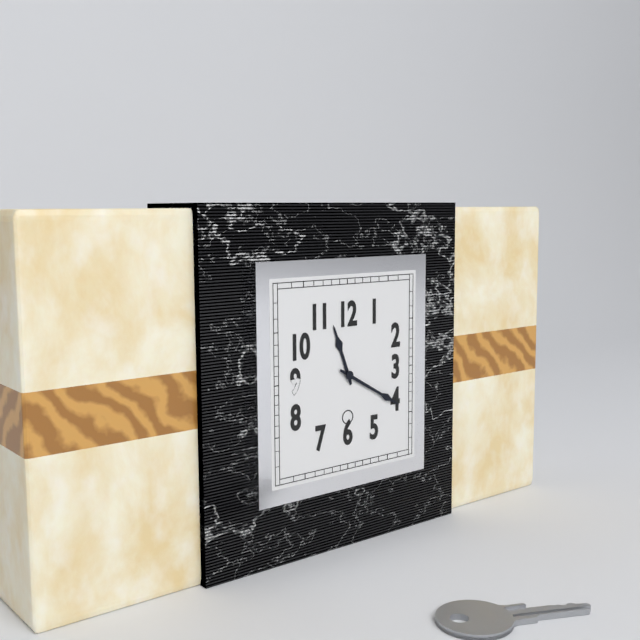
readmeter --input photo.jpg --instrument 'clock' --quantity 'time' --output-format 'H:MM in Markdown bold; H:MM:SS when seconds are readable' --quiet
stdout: **11:20**
